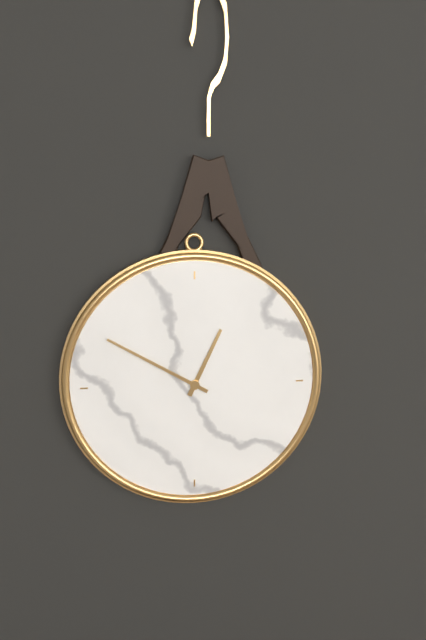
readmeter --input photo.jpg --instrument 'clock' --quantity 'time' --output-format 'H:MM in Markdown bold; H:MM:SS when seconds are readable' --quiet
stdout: **12:50**
